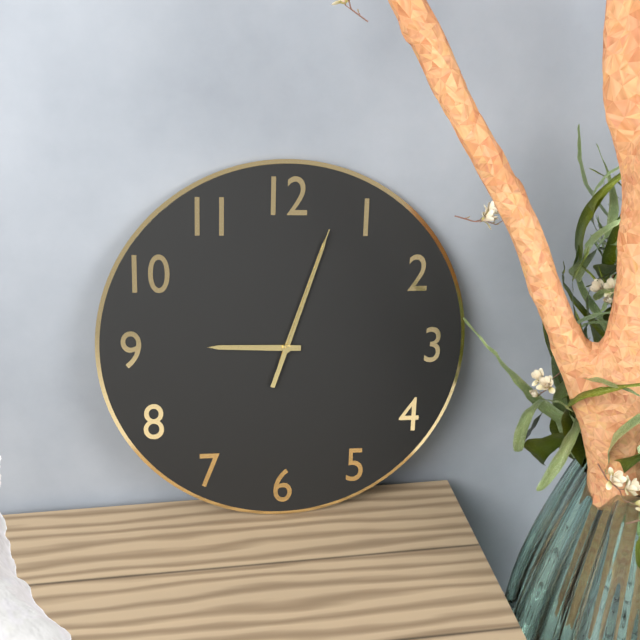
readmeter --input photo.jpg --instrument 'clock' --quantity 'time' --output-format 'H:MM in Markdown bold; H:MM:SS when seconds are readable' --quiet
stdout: **9:03:03**
